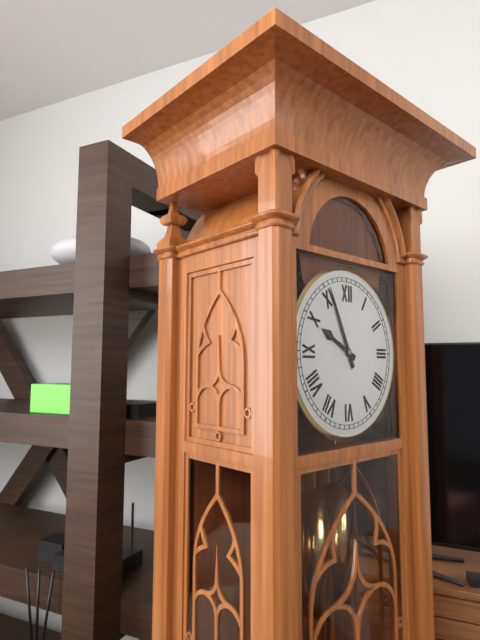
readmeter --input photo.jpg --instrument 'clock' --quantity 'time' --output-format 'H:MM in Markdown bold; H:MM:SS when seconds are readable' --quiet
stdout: **9:56**
